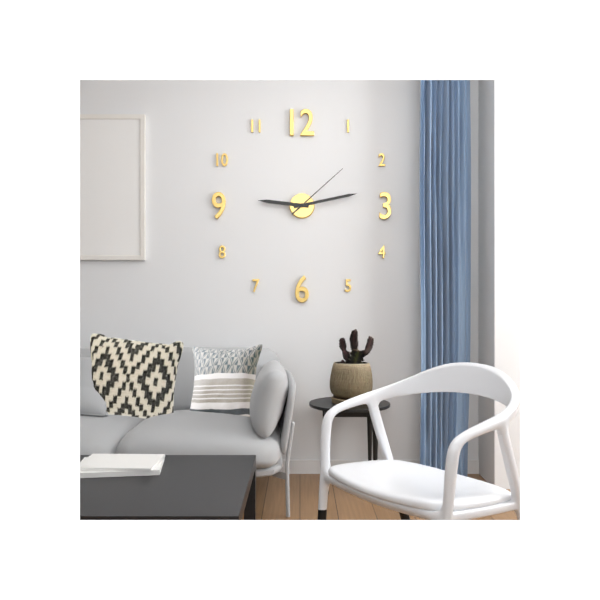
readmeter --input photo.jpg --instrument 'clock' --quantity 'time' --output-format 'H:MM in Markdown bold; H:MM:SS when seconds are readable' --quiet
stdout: **9:13:08**
